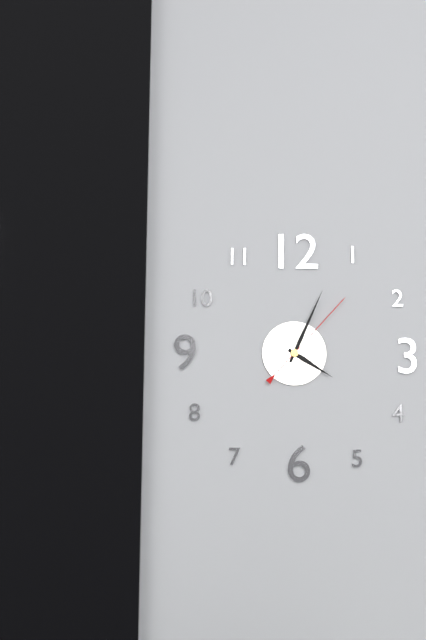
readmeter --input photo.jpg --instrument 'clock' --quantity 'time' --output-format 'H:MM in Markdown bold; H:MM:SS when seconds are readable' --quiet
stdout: **4:04:07**
